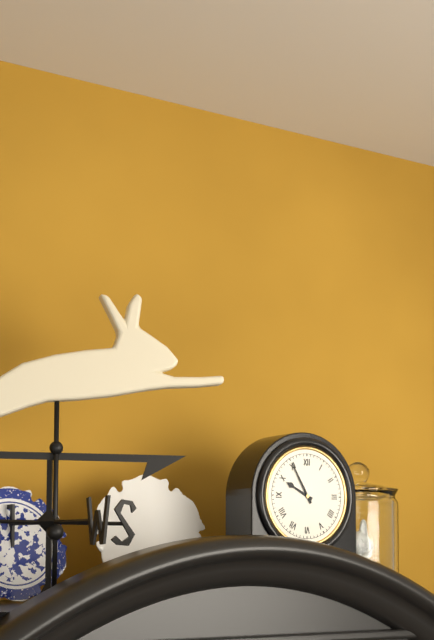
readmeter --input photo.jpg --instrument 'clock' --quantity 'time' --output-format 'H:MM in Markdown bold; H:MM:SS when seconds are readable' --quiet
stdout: **9:55**
